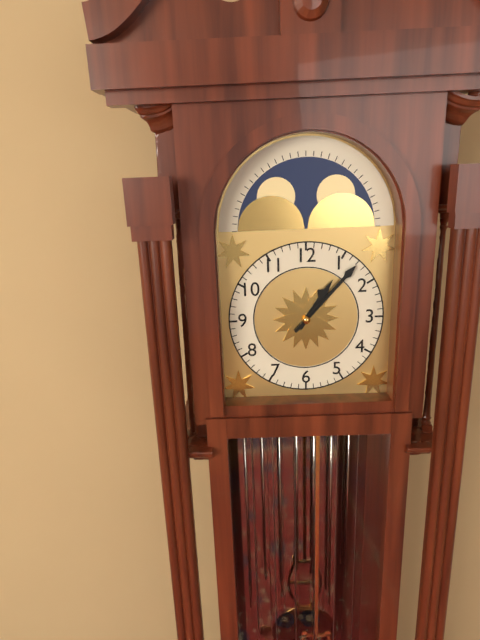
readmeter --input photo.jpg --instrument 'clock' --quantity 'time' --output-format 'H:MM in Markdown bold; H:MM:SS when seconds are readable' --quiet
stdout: **1:07**
